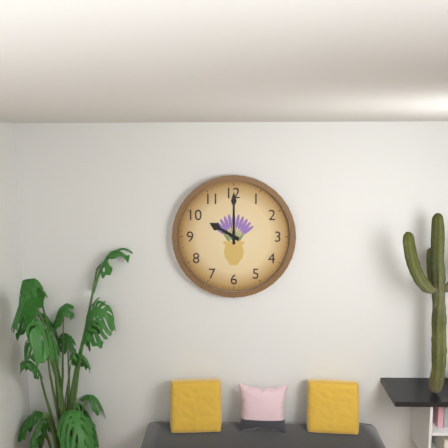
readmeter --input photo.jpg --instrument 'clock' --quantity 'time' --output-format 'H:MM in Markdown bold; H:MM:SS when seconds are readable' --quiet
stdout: **10:00**
